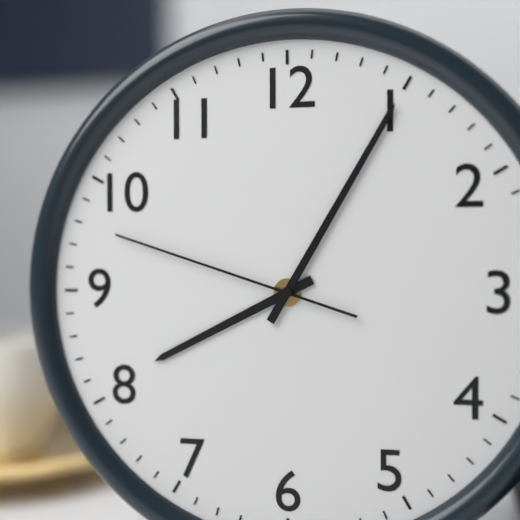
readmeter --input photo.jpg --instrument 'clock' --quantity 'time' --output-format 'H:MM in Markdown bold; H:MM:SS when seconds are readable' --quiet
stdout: **8:05:48**
